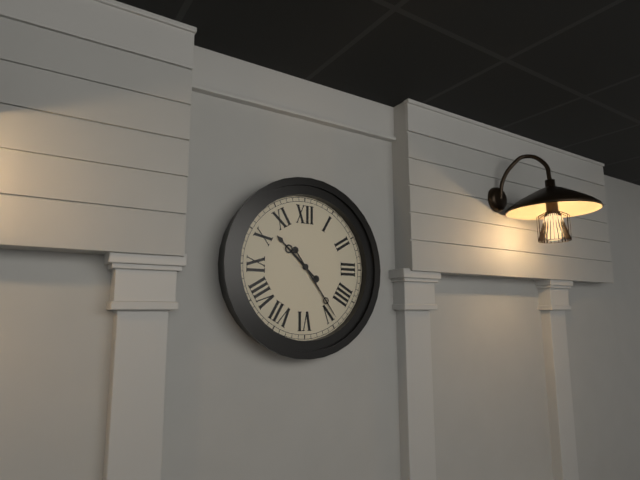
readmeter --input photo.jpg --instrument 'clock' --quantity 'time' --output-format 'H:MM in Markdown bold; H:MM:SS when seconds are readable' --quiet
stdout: **10:24**
